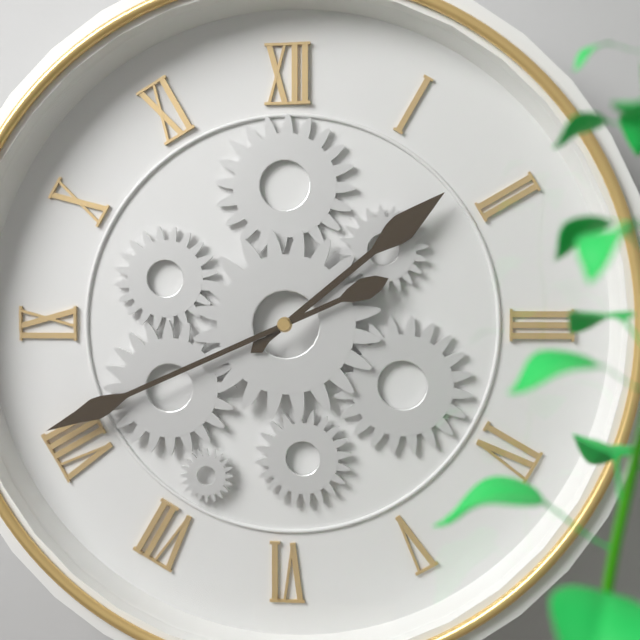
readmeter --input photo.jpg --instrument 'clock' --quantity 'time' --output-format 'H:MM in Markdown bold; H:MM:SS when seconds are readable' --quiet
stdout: **1:41**
